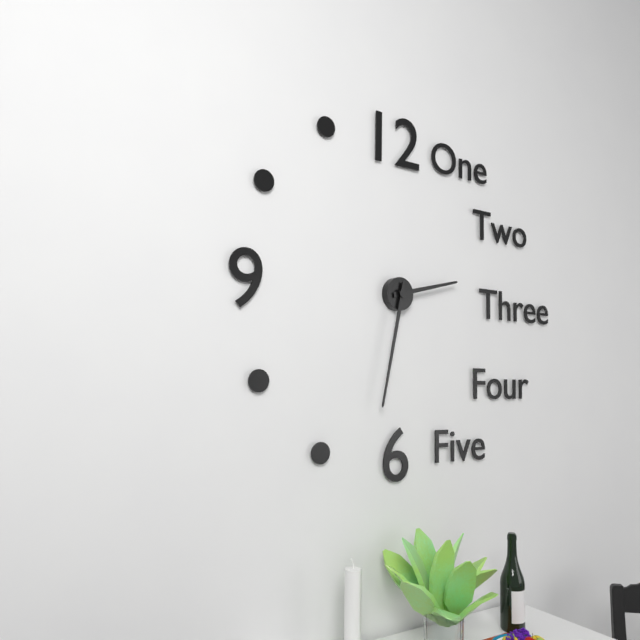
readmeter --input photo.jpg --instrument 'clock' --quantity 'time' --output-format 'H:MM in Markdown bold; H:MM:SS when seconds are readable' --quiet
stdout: **2:32**
